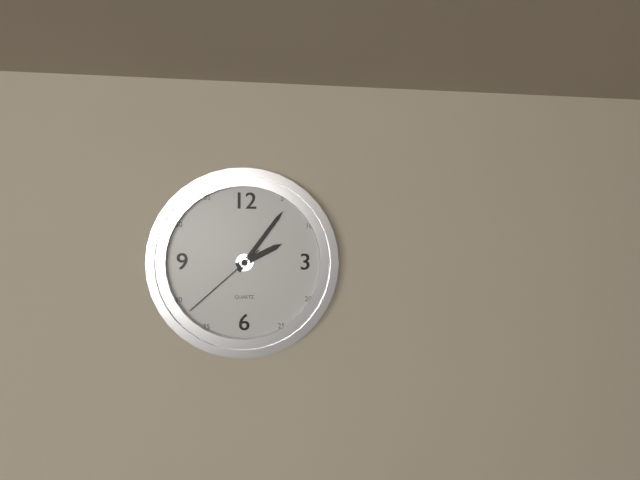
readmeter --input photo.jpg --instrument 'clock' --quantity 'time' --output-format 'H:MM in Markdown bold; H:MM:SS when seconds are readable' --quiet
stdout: **2:06:38**
